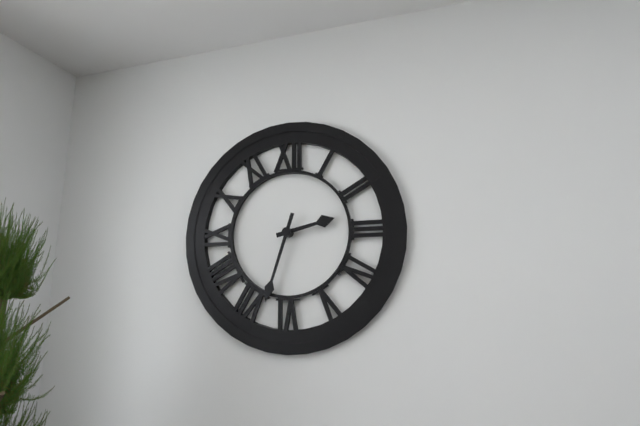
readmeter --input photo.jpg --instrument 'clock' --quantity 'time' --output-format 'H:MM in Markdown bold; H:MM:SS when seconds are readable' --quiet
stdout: **2:33**
